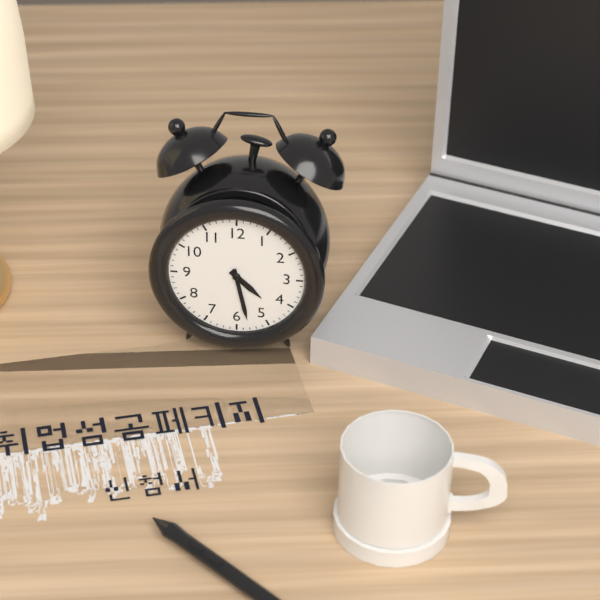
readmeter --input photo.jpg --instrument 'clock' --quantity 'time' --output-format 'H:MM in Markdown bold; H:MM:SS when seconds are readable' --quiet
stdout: **4:28**
